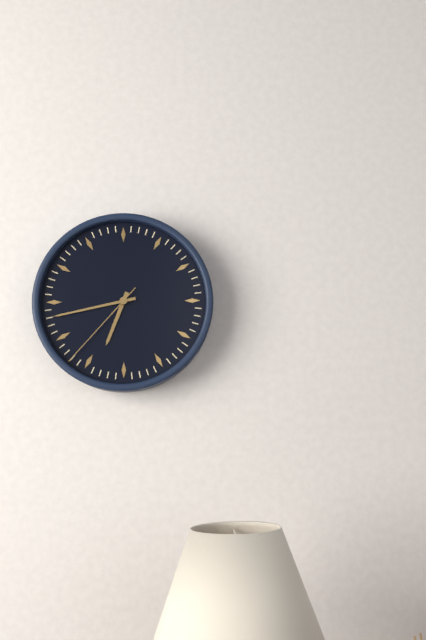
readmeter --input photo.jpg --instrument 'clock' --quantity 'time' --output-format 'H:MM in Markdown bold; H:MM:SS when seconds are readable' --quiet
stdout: **6:43:37**
